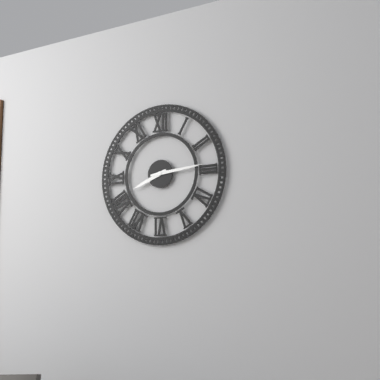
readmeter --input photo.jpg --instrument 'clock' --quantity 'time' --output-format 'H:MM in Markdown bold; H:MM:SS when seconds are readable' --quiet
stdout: **8:14**
